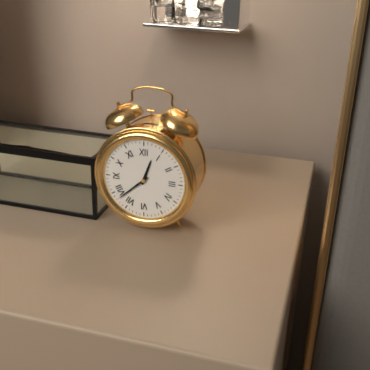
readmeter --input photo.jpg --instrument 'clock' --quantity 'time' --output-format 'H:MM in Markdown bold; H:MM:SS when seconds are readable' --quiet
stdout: **12:38**
